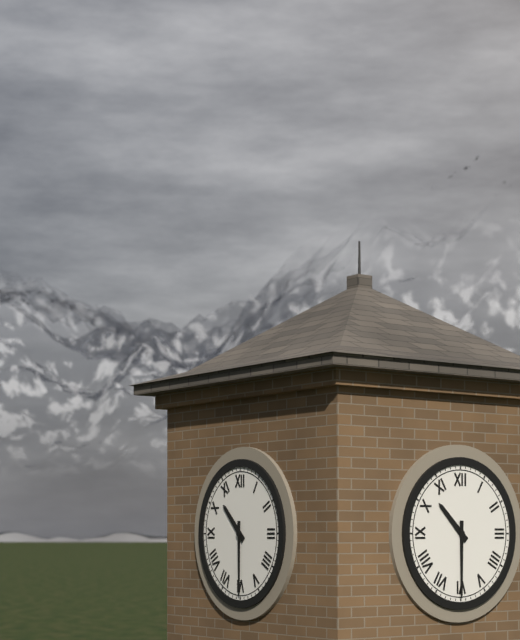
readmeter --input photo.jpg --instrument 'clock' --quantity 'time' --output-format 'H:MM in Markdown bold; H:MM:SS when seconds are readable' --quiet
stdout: **10:30**
